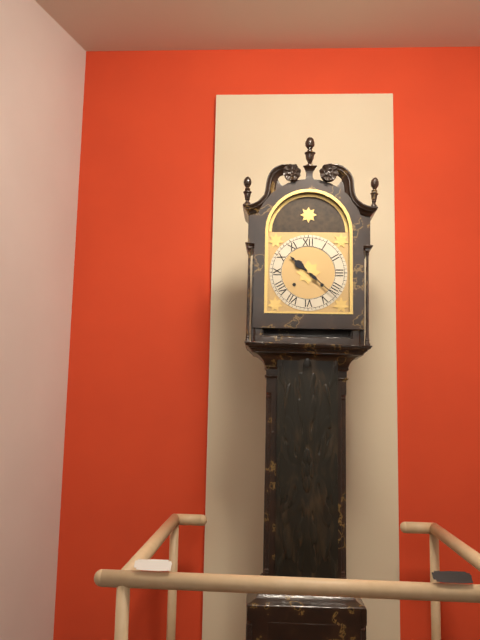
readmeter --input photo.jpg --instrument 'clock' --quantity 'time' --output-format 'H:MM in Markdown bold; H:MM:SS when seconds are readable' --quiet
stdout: **10:22**
